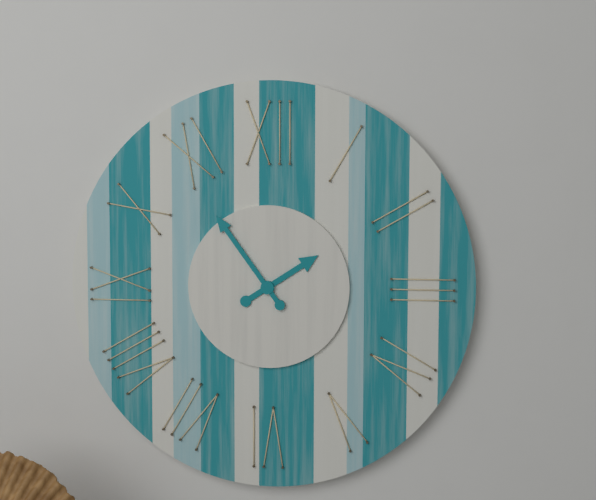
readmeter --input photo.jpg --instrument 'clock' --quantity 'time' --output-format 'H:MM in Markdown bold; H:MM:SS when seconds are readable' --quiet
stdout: **1:54**
